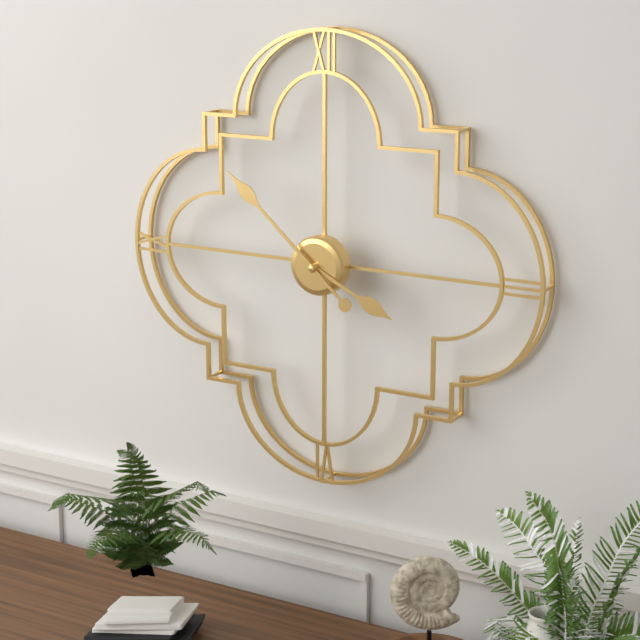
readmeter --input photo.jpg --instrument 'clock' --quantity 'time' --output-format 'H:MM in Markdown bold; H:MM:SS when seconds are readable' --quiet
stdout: **3:52**
